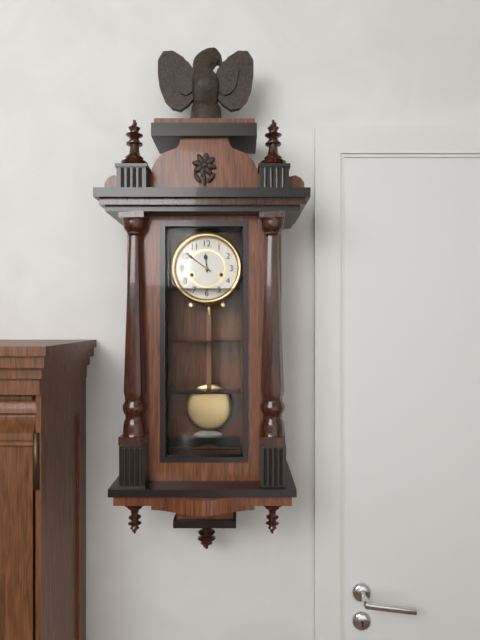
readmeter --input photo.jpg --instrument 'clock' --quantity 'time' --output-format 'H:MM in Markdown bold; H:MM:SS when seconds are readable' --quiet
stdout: **11:51**
